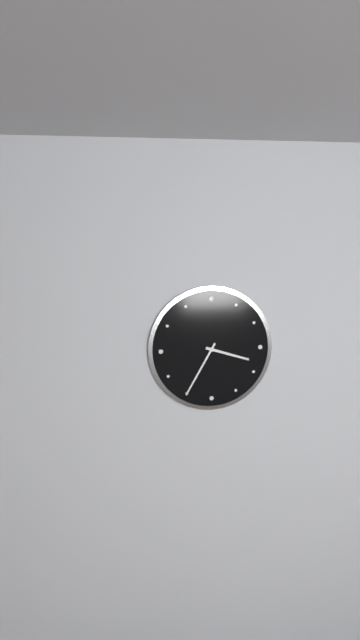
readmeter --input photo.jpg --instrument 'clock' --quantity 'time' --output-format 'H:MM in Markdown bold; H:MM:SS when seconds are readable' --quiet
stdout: **3:35**
